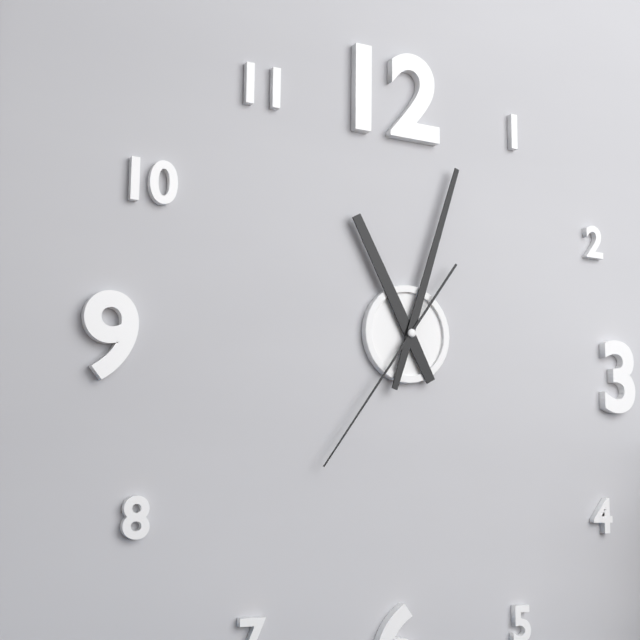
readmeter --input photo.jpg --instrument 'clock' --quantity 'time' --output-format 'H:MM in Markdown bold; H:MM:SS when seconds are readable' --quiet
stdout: **11:03:36**
